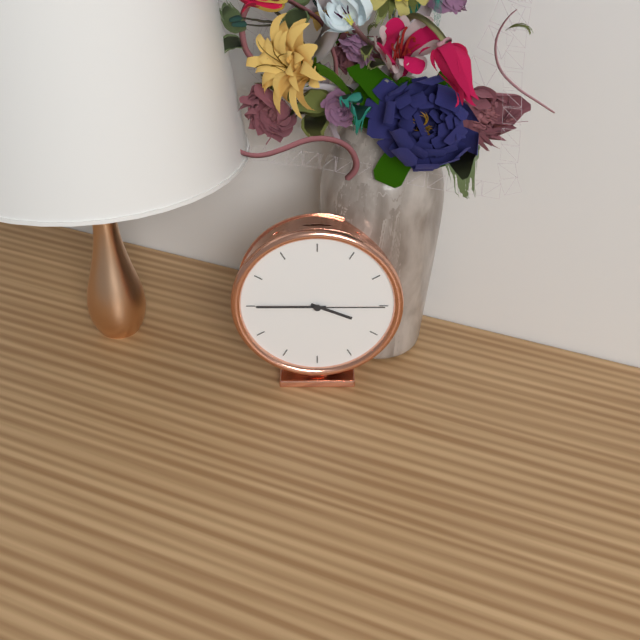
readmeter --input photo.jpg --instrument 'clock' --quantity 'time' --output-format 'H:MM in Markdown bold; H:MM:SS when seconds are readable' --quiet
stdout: **3:45:15**
